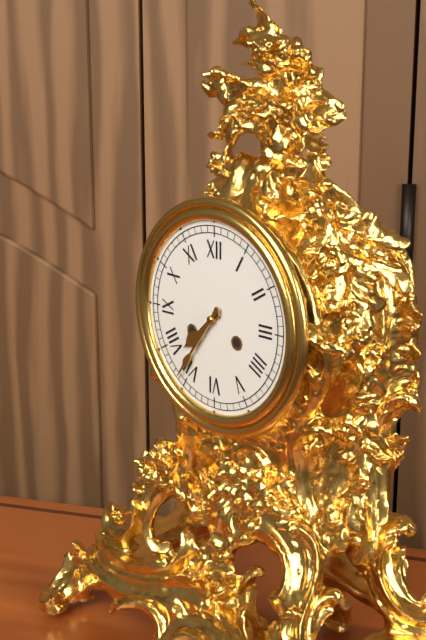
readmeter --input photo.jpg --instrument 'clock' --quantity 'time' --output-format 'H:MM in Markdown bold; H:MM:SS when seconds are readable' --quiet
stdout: **7:36**
